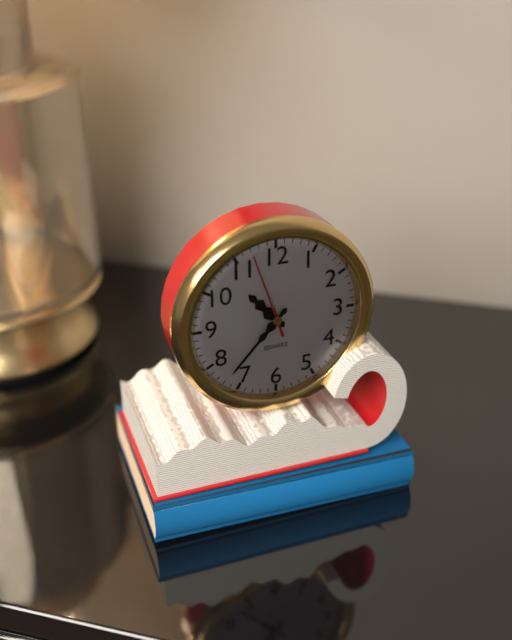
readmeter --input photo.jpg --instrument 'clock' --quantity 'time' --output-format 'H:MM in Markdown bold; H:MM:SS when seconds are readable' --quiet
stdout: **10:37:57**
